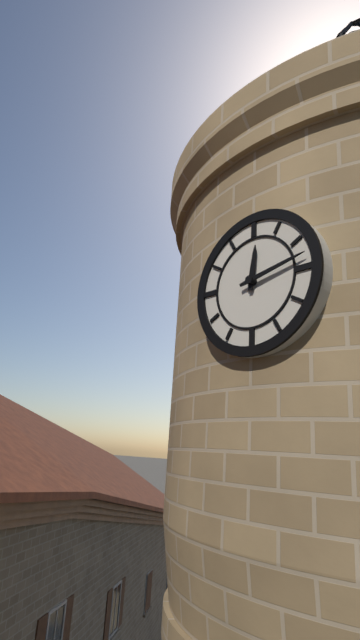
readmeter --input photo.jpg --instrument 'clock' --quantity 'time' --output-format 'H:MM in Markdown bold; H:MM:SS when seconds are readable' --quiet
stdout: **12:13**
